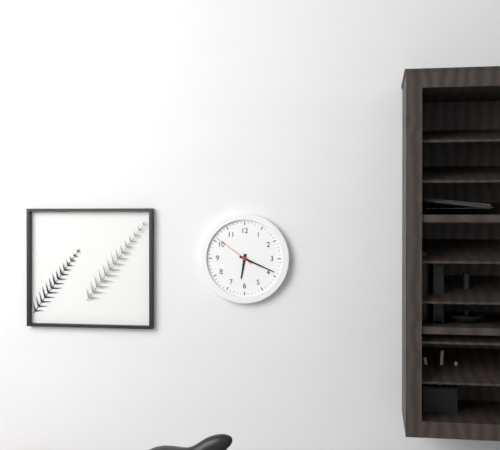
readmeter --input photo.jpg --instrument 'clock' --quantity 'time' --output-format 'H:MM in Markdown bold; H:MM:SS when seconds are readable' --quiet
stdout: **6:19**
